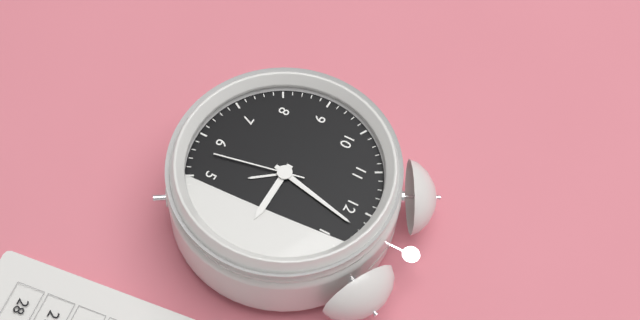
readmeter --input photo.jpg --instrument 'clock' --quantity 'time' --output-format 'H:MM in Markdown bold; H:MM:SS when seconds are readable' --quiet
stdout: **3:02:28**
